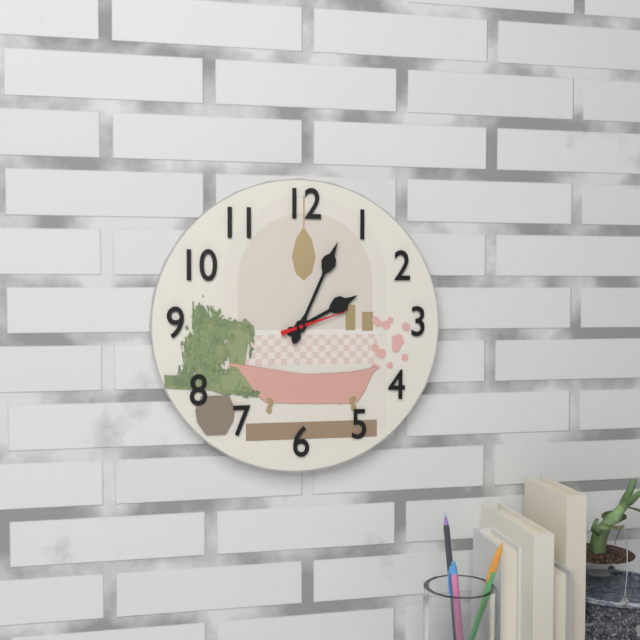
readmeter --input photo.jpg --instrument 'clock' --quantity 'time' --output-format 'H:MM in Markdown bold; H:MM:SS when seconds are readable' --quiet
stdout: **2:04:12**
